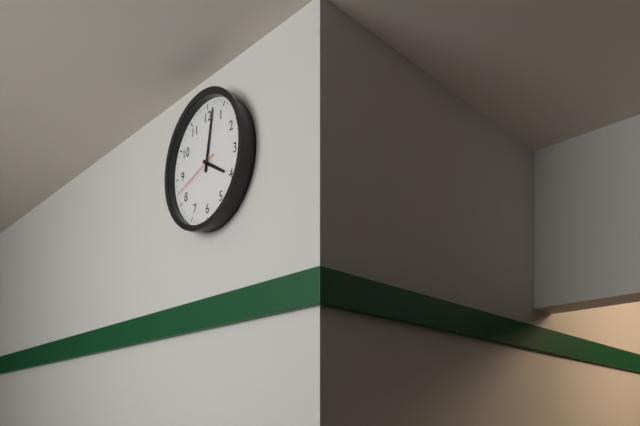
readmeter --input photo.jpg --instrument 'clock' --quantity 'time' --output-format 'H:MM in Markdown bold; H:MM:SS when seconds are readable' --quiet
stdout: **4:02:42**
